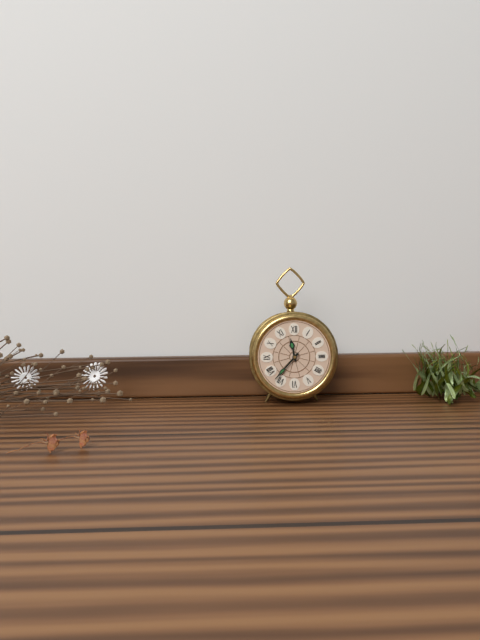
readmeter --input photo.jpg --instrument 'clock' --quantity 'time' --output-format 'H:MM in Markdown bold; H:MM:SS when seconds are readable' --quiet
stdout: **11:37**
